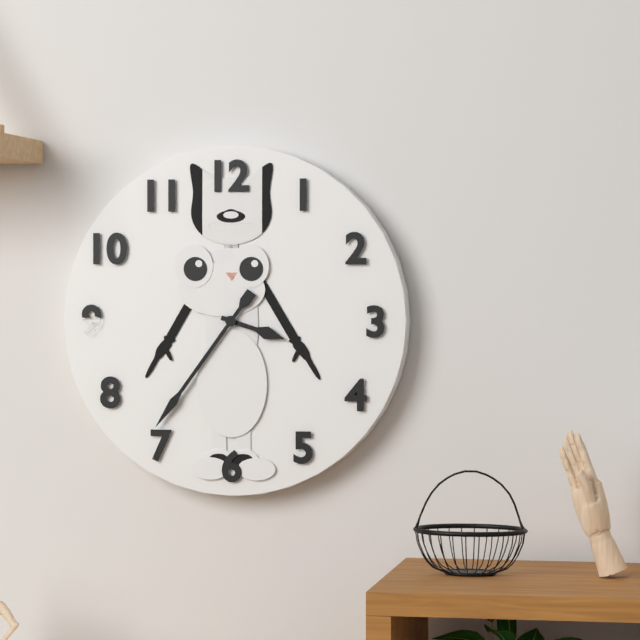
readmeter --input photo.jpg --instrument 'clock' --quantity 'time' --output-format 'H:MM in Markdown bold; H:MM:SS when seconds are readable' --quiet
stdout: **3:36**
